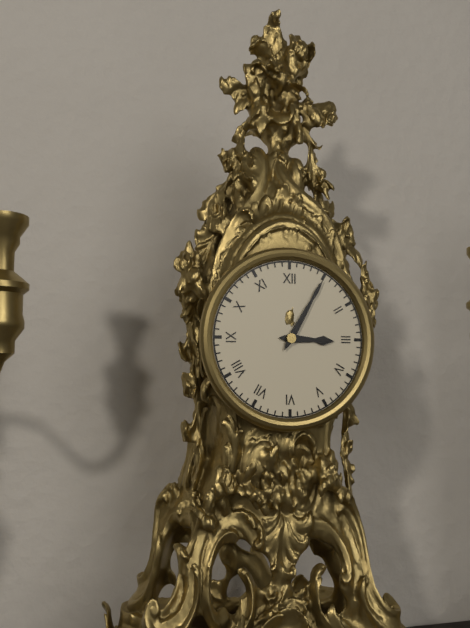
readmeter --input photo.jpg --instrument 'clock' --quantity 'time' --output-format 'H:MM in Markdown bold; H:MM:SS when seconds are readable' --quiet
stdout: **3:05**
